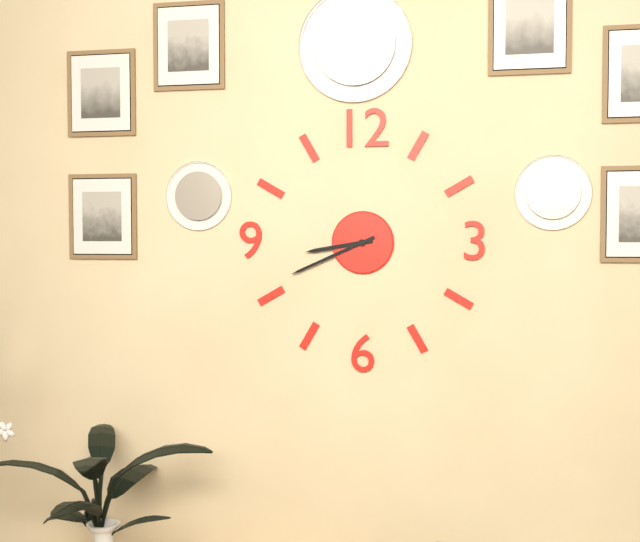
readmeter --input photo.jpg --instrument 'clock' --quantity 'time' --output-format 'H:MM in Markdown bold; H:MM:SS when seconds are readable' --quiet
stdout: **8:41**
